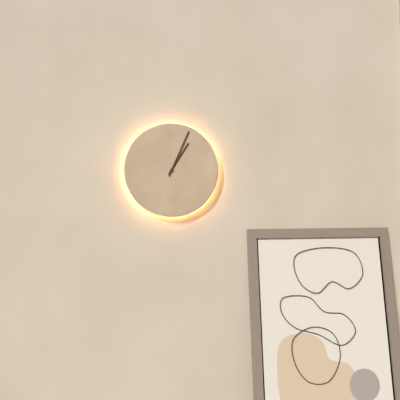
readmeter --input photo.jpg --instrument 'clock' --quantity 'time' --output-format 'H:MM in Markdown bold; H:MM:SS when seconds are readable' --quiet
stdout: **1:04**
